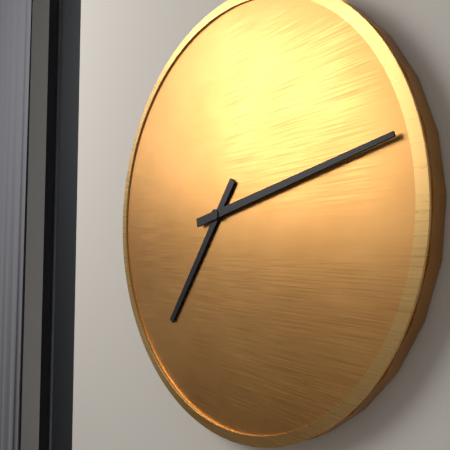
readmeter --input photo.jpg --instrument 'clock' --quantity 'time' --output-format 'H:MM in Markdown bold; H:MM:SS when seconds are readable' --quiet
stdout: **7:13**
